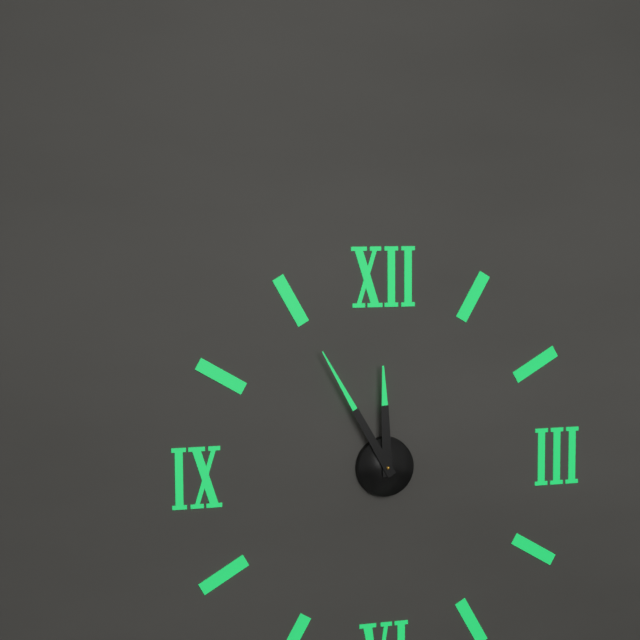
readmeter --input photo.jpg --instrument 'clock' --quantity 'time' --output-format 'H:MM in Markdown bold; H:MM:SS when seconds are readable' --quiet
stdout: **11:55**
